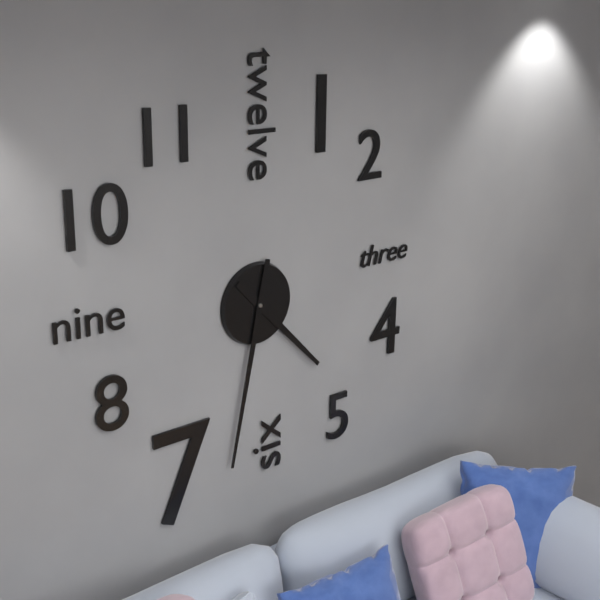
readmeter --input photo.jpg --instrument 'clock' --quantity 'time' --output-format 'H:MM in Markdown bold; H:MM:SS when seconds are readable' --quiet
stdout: **4:32**
